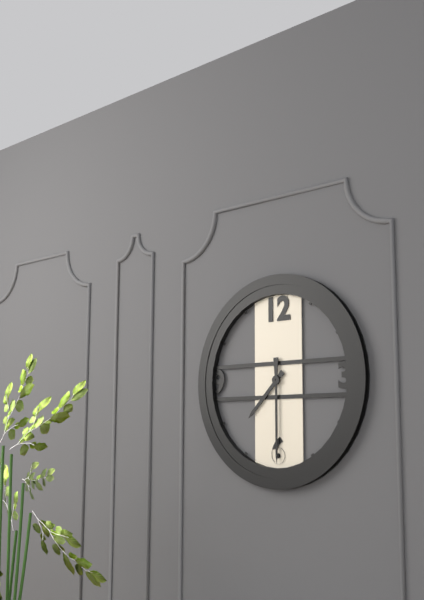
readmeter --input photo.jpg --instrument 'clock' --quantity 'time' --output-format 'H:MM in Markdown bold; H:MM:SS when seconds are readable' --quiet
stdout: **7:30**
